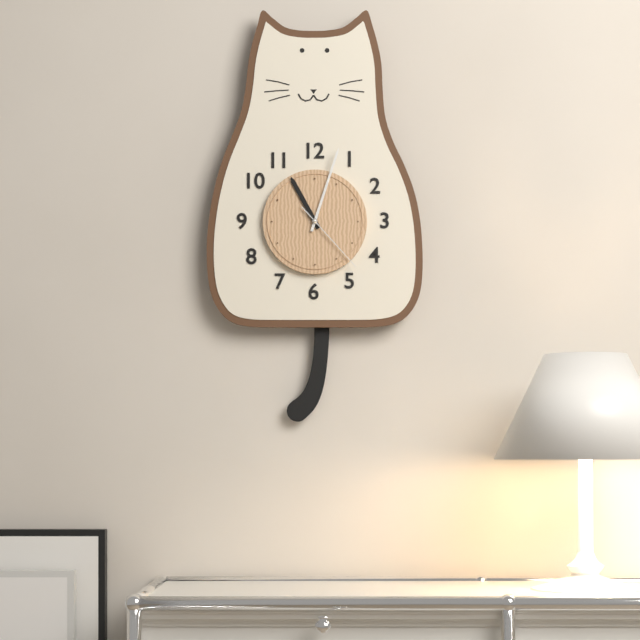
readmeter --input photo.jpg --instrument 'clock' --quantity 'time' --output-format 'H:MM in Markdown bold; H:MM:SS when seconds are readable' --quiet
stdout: **11:03:23**
